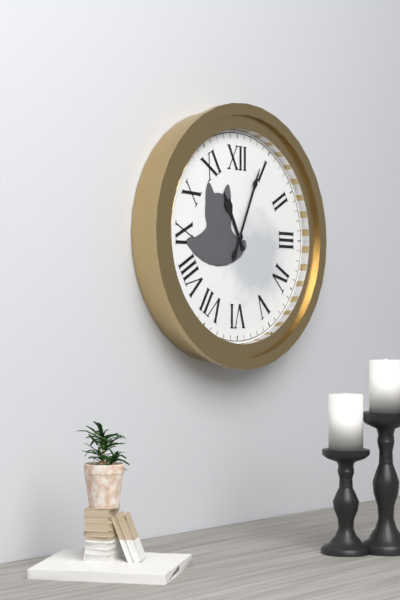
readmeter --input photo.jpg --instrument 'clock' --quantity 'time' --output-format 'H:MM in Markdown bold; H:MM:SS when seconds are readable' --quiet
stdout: **11:04**
